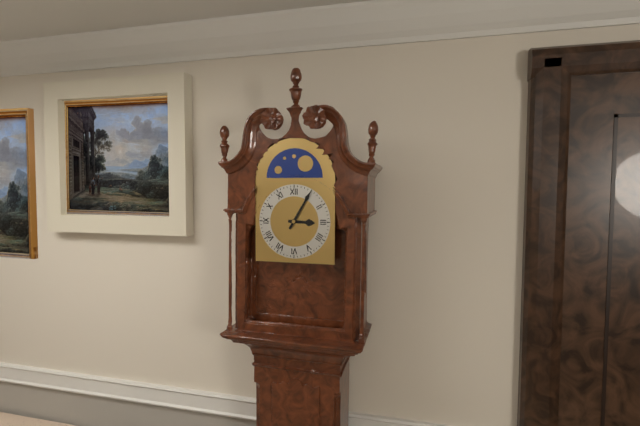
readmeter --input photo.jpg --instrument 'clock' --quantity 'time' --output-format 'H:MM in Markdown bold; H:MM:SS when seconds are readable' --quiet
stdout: **3:05**
